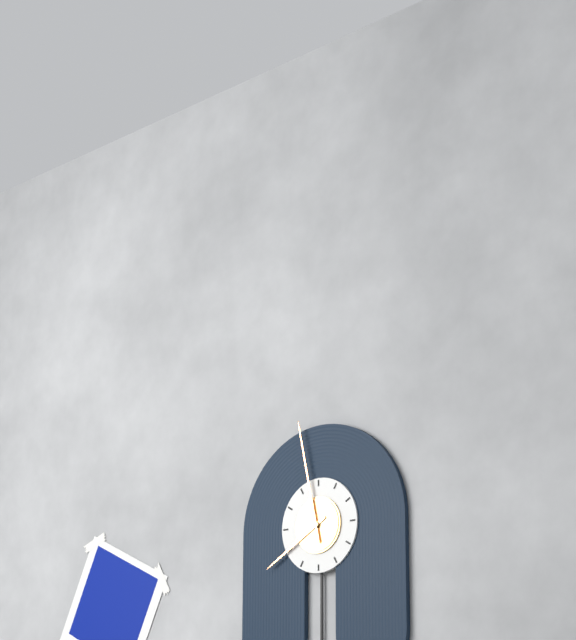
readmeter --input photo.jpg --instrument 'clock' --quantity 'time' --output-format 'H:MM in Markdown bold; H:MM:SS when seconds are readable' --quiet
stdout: **7:58**
